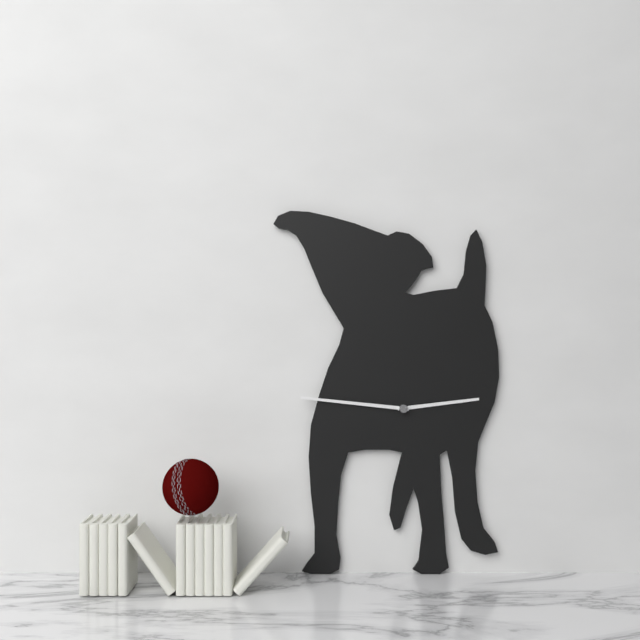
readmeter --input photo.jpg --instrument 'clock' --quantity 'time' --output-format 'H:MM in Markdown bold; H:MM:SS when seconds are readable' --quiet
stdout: **2:46**
